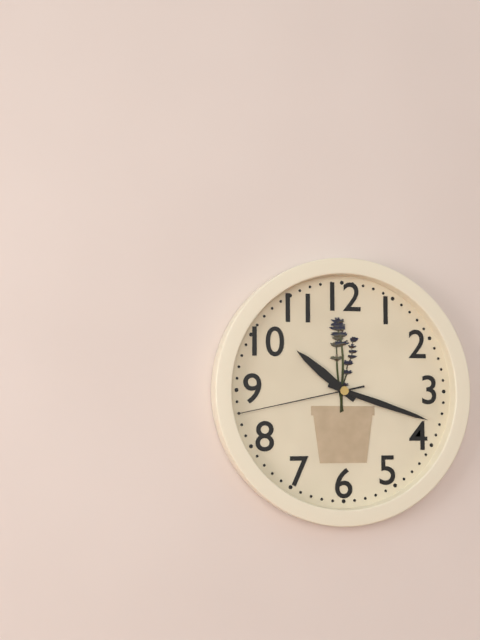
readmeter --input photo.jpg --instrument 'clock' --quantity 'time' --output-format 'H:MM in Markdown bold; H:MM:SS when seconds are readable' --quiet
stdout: **10:18:43**
